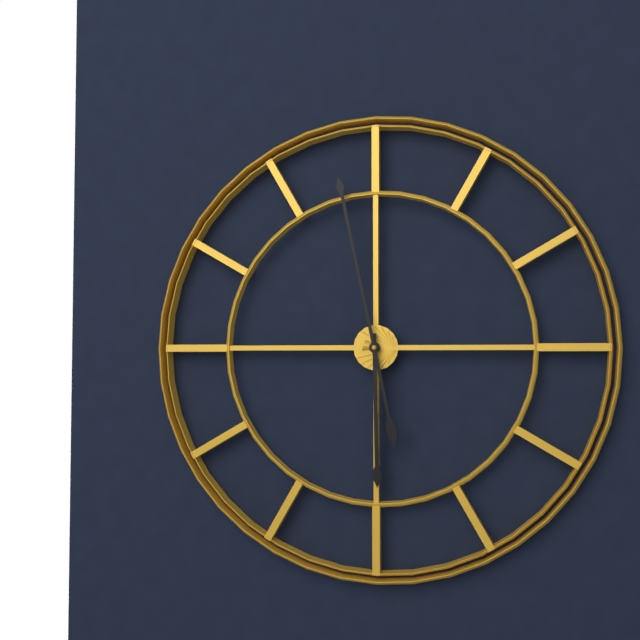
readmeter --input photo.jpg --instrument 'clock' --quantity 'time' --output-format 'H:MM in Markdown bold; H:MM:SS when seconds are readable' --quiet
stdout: **5:58**
